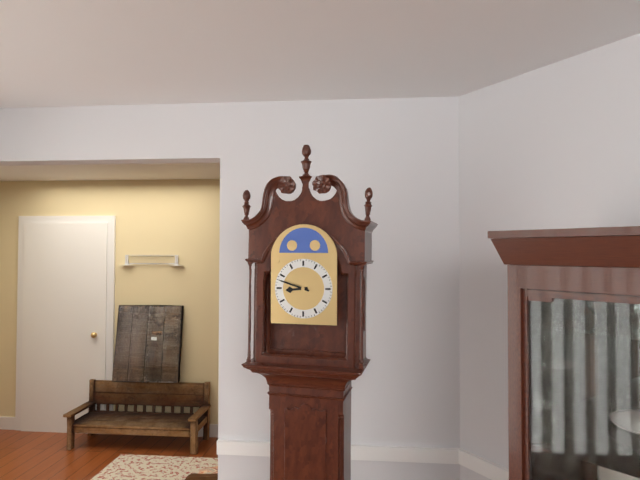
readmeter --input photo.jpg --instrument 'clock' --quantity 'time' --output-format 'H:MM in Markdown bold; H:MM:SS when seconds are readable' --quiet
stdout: **8:48**
